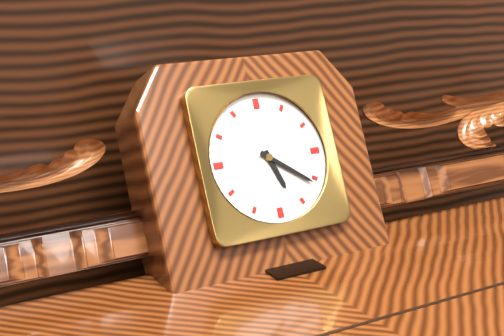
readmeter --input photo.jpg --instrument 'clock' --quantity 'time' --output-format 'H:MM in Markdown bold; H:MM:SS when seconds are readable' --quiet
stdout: **5:21**
